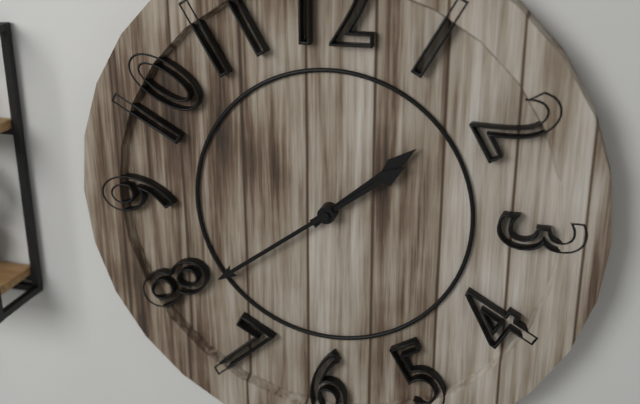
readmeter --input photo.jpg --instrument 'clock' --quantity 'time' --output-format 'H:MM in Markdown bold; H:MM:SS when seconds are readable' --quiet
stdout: **1:39**
